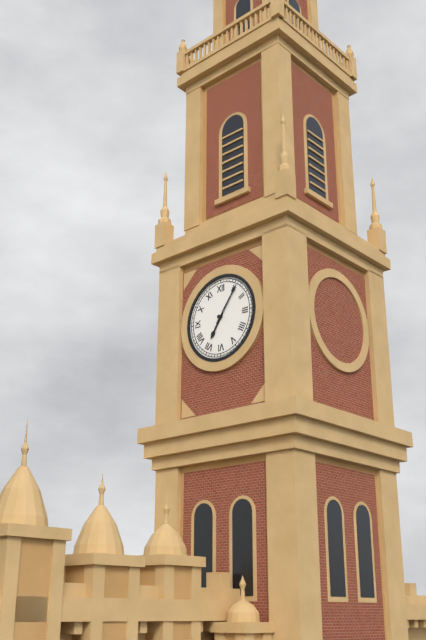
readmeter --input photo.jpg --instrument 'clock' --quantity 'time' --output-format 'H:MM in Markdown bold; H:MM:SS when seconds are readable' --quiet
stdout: **7:06**
